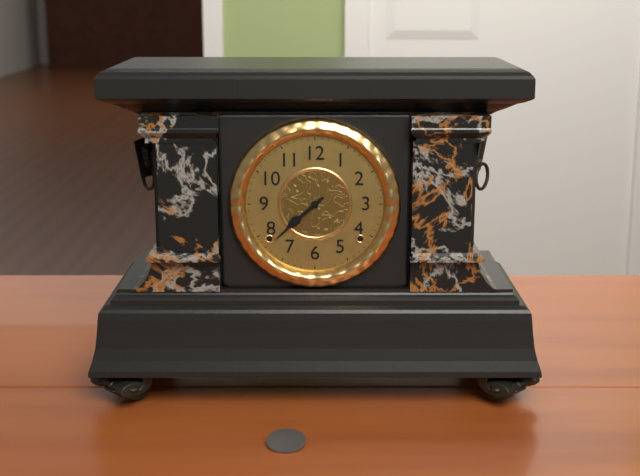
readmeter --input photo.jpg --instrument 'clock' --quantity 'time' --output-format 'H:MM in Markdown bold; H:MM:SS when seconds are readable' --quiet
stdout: **7:38**
